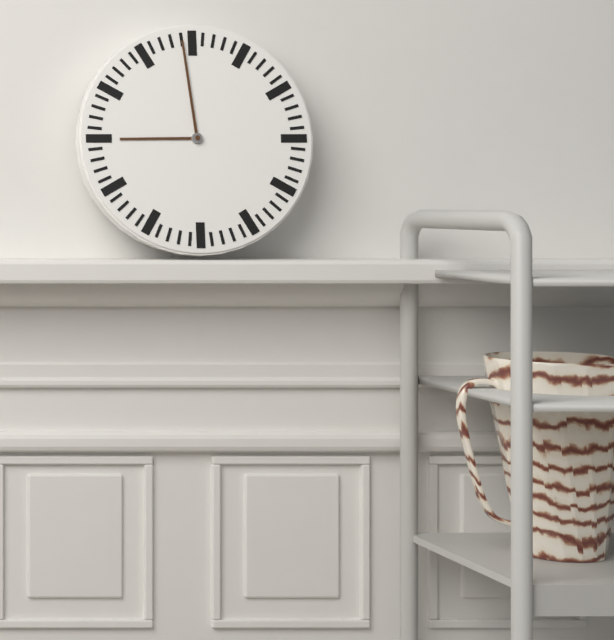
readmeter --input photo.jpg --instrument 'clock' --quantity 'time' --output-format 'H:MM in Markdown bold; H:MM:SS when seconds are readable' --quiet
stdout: **8:59**
